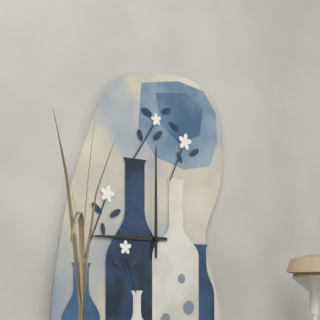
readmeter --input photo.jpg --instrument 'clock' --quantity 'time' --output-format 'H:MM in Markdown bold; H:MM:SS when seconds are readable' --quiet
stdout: **9:00**
